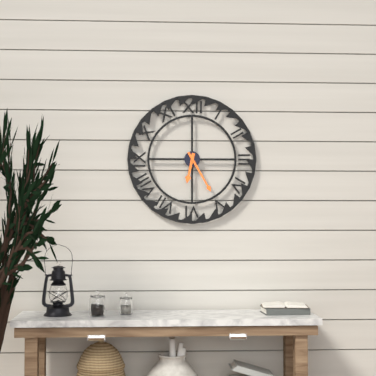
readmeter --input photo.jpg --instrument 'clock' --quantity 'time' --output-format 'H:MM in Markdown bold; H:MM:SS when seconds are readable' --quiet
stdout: **6:25**
